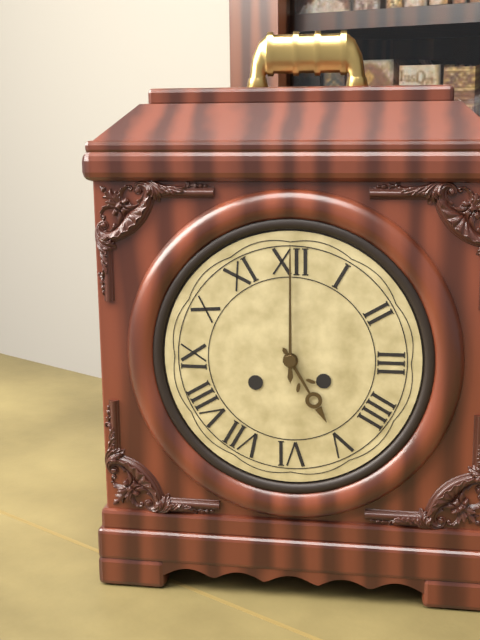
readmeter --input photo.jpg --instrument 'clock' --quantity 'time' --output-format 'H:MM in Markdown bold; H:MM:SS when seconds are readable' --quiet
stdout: **5:00**
